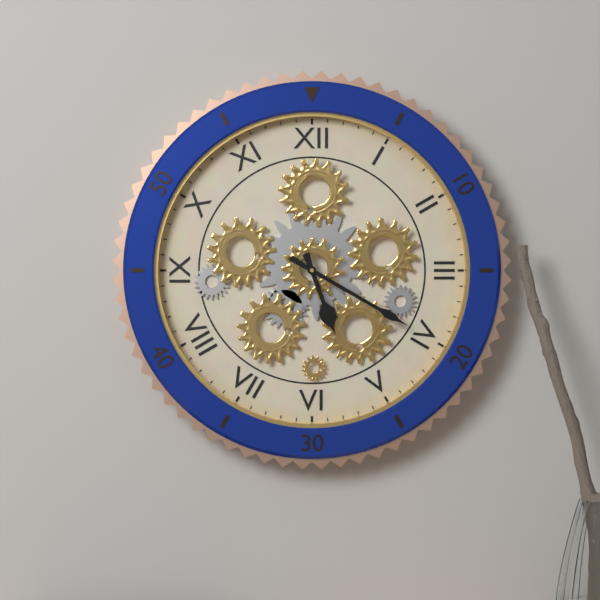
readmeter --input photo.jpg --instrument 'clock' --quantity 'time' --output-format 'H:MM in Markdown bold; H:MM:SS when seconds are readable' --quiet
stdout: **5:20**
